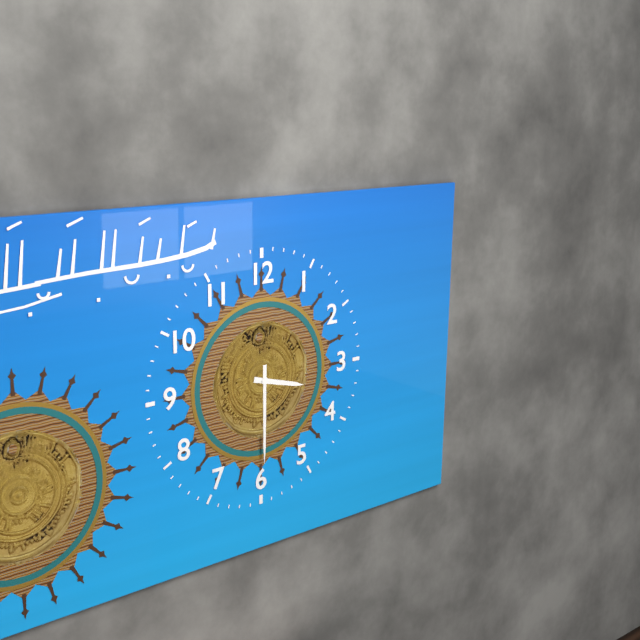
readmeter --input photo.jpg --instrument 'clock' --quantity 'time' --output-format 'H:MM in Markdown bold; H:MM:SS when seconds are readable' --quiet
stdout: **3:30**
